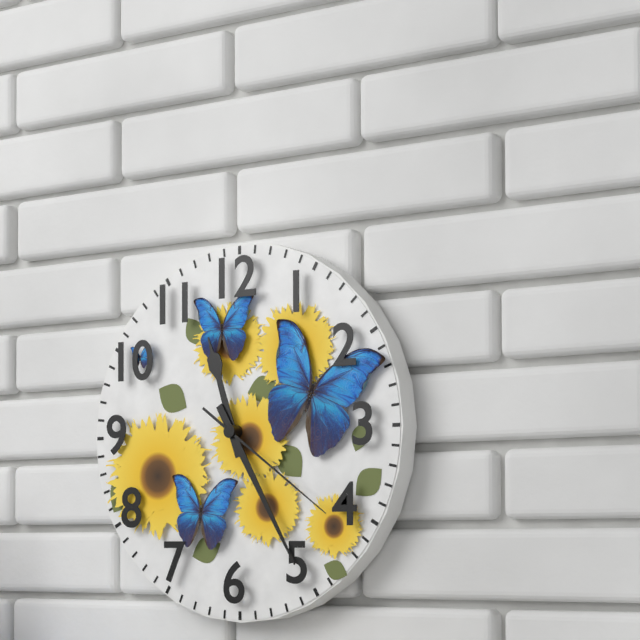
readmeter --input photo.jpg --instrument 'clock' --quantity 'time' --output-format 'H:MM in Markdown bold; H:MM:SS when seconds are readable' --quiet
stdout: **11:25:21**
